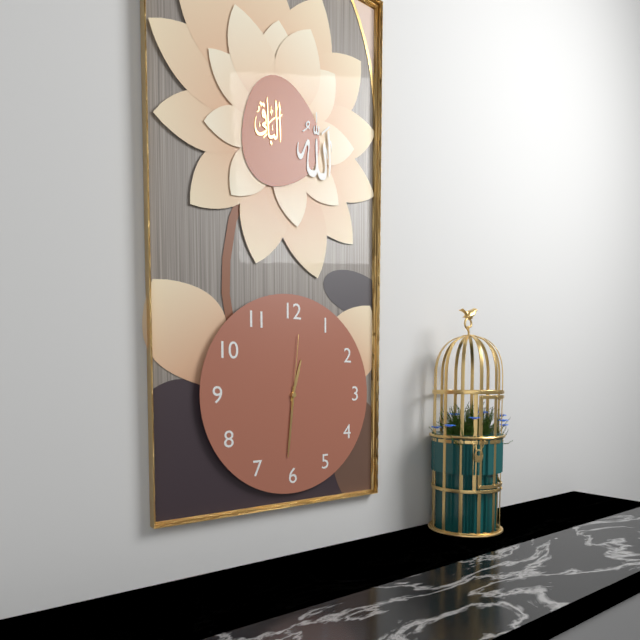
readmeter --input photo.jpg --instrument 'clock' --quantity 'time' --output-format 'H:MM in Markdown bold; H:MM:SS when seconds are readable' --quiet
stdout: **12:31:01**
